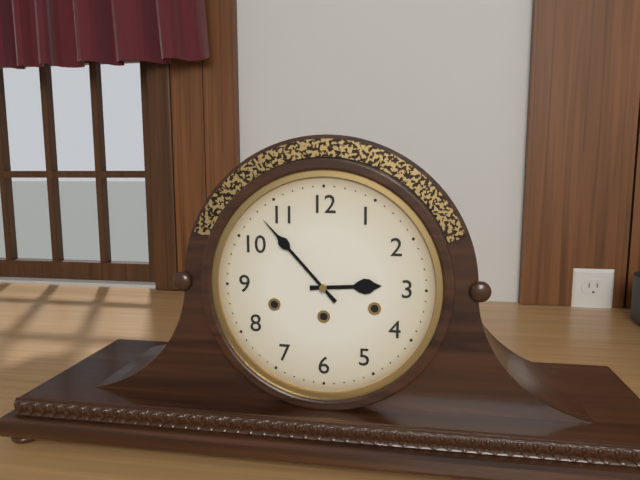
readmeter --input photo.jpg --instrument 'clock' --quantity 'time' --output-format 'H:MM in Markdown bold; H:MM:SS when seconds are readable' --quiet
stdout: **2:53**
